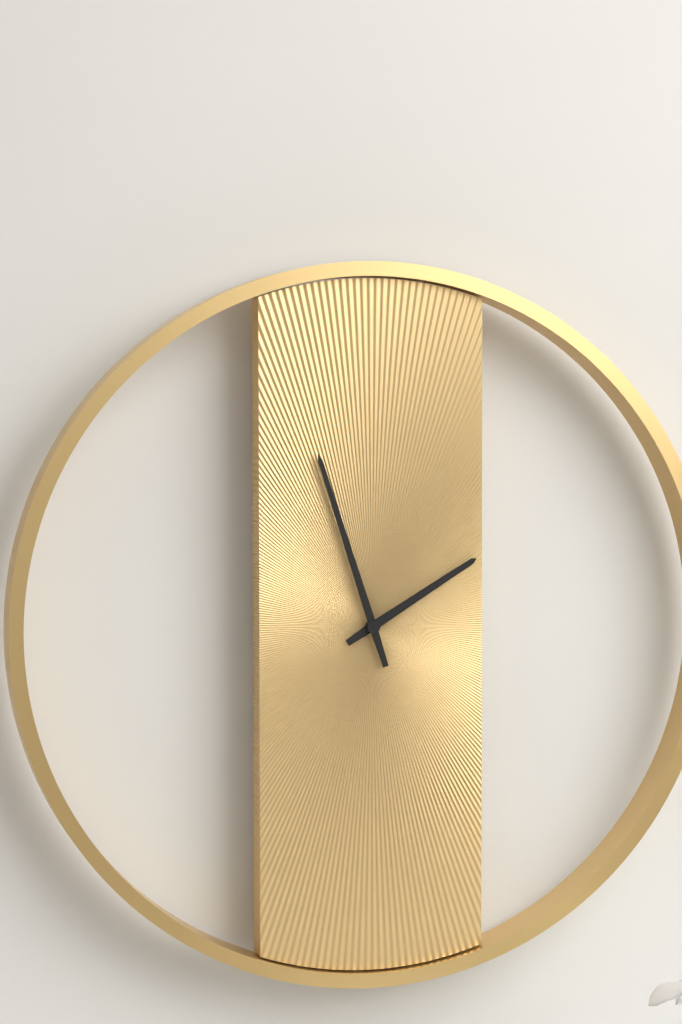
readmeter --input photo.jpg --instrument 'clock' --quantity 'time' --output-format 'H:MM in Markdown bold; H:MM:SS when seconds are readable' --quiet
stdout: **1:57**
